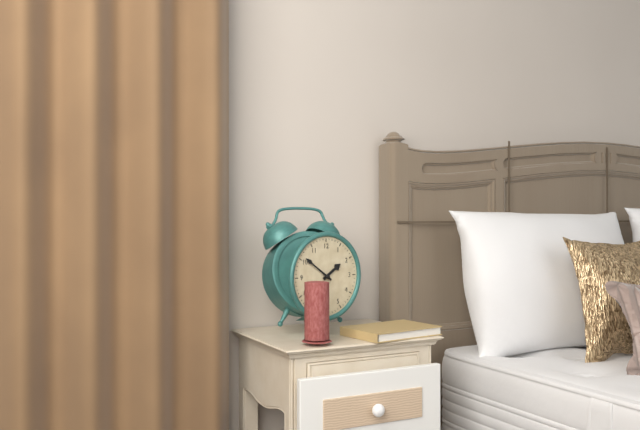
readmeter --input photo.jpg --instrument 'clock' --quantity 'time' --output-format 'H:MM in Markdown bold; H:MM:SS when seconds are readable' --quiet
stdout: **1:51**
